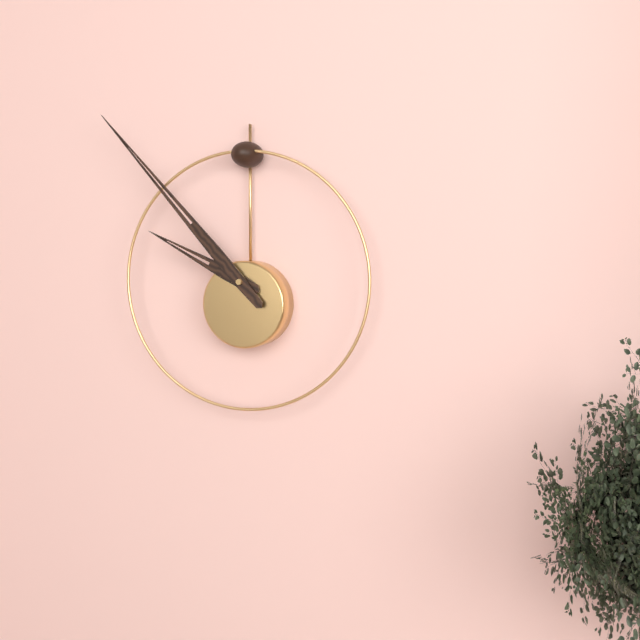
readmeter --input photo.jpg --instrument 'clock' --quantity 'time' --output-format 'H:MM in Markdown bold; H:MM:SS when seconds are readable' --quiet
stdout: **9:53**
